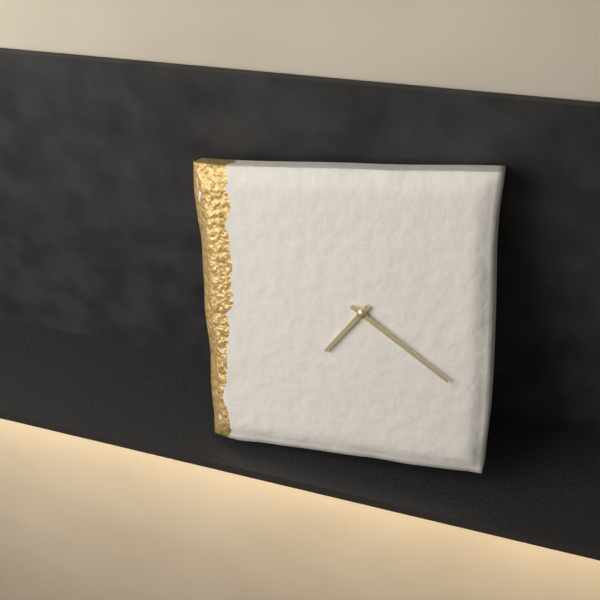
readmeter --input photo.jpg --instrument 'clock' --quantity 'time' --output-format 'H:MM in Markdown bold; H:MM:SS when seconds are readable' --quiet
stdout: **7:21**
